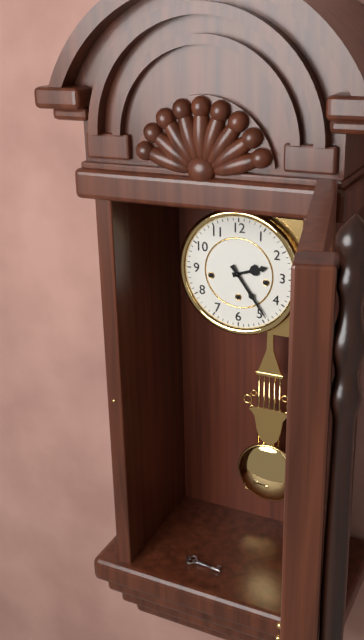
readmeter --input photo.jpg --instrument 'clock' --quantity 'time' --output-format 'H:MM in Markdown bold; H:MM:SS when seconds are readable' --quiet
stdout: **2:24**
